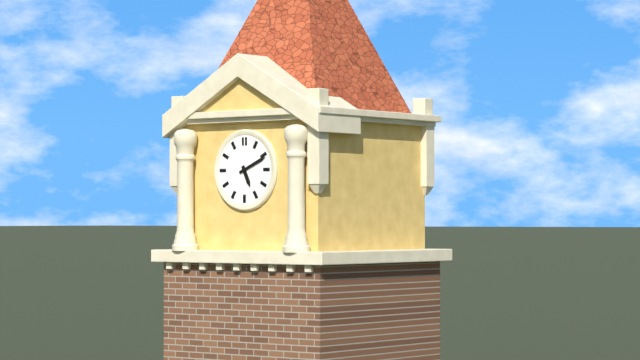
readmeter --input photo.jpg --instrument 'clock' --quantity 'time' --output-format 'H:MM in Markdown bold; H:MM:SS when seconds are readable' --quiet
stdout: **5:11**
